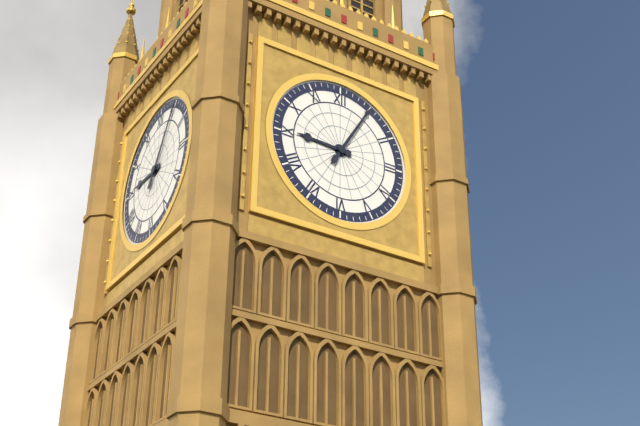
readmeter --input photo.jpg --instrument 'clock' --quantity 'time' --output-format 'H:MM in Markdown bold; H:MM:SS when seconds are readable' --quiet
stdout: **9:05**
